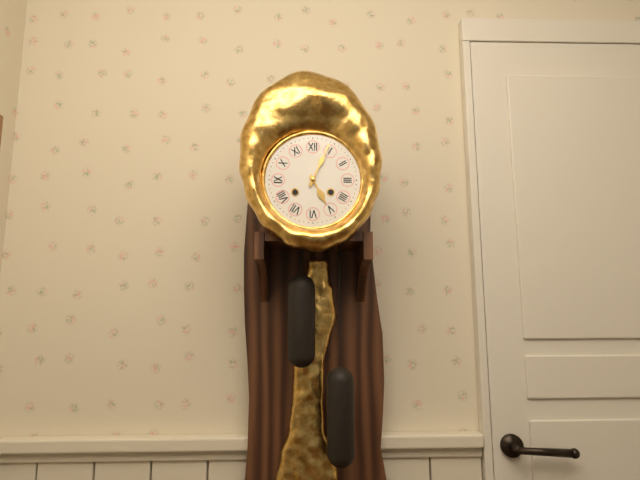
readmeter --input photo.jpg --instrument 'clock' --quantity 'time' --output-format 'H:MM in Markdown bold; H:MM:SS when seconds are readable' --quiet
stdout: **5:04**
